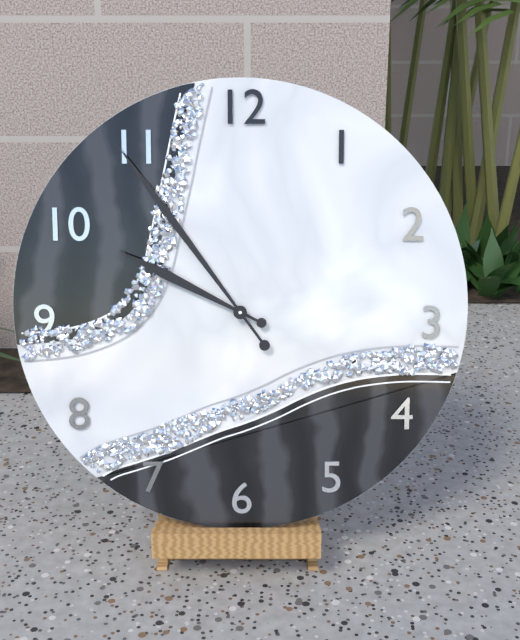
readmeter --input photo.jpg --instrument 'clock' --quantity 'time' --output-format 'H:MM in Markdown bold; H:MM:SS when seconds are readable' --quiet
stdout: **9:54**
